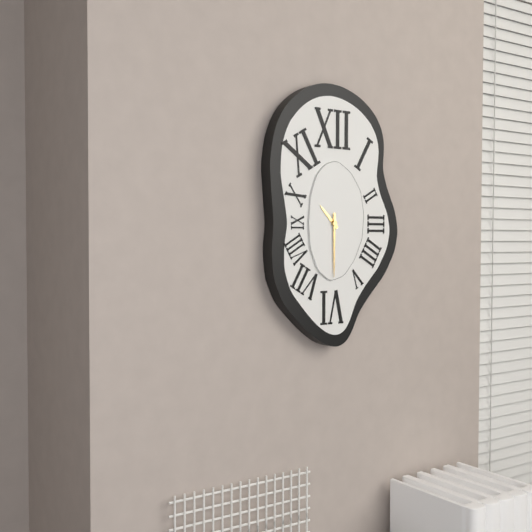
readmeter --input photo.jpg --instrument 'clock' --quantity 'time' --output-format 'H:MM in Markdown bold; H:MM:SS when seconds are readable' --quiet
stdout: **10:30**
